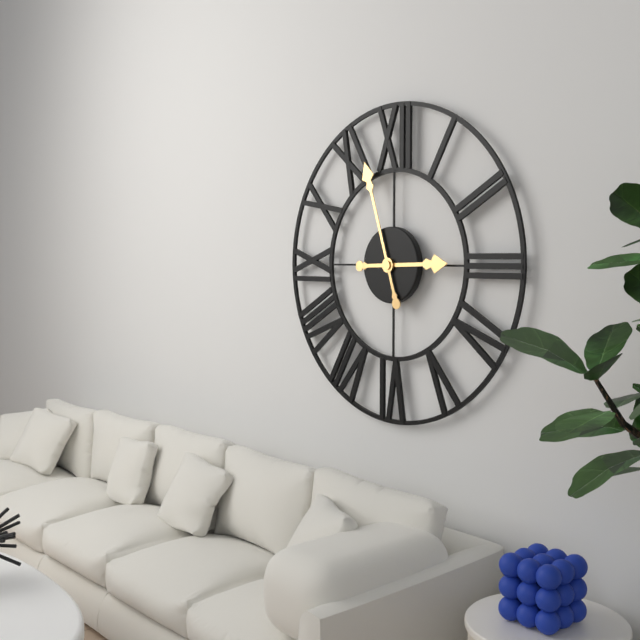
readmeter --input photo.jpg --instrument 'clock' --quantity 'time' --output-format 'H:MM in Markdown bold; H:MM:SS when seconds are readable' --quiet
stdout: **2:57**
